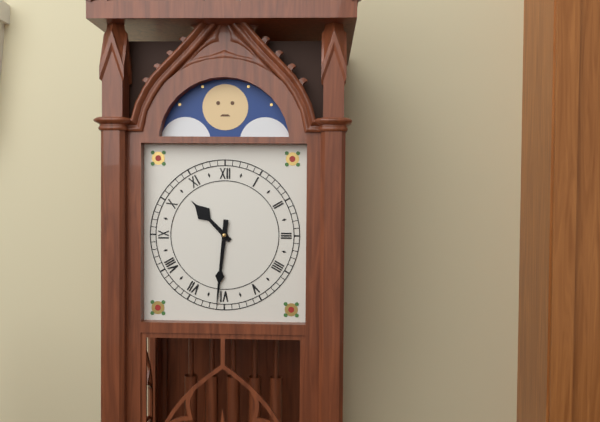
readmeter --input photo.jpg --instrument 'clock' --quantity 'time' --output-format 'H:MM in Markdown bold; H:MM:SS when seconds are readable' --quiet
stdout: **10:31**
